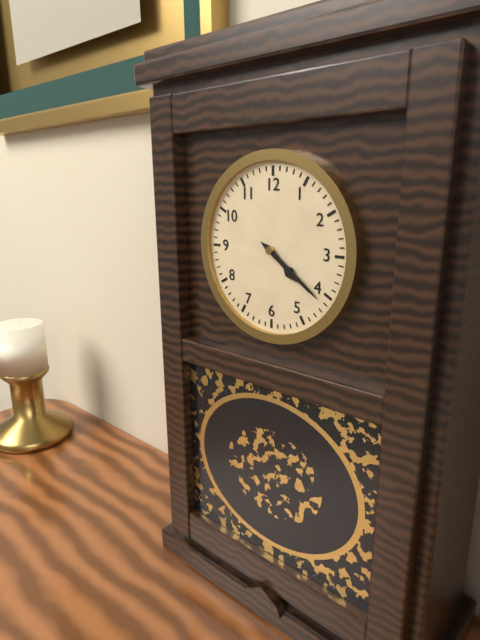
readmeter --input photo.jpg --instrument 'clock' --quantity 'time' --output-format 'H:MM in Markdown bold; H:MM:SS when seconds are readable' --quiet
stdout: **4:21**
